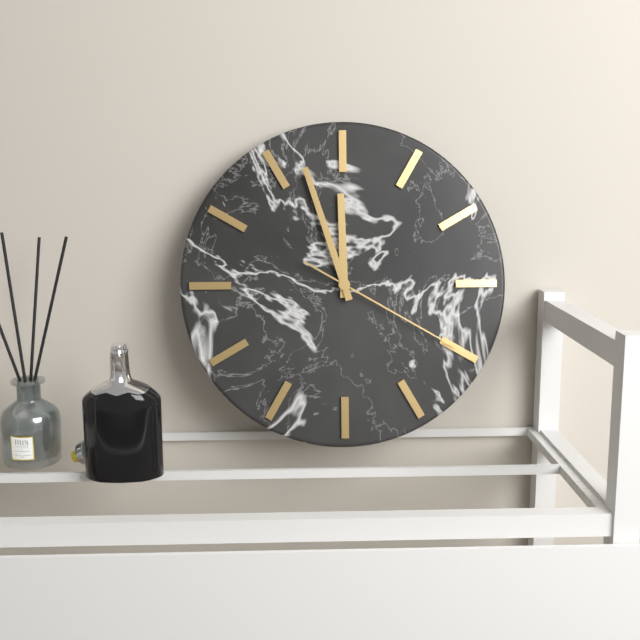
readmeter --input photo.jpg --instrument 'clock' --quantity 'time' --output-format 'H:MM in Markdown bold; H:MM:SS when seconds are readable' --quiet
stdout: **11:57:20**
